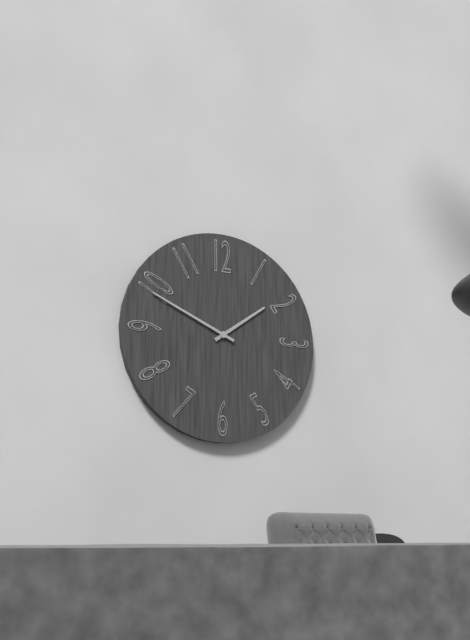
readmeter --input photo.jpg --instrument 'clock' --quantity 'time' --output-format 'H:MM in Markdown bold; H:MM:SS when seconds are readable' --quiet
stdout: **1:49**
